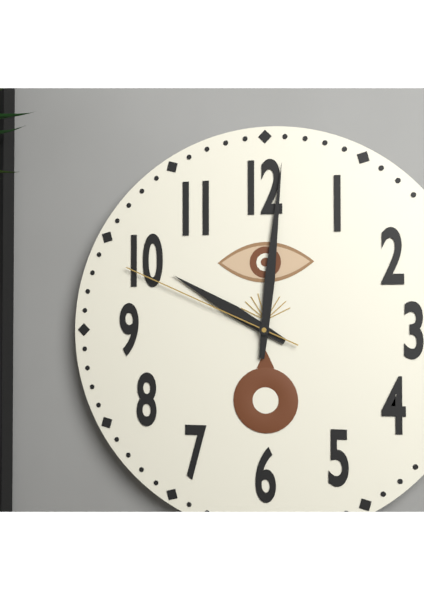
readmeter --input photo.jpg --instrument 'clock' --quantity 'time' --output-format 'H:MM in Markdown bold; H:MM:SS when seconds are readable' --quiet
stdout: **10:01:49**
